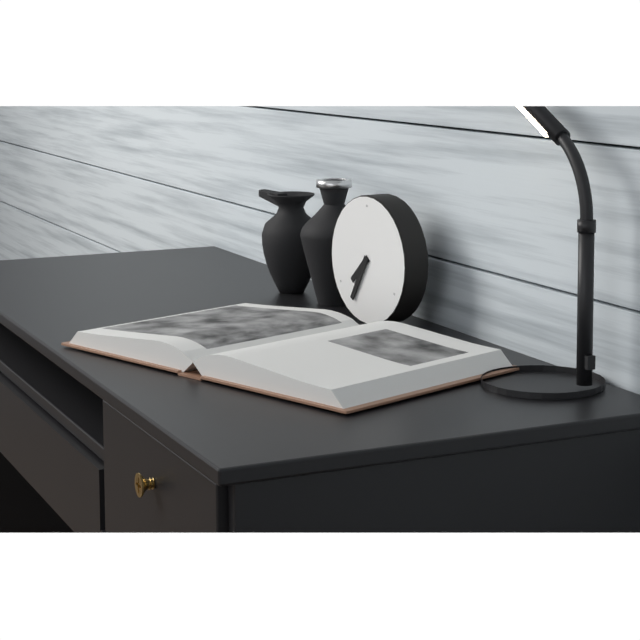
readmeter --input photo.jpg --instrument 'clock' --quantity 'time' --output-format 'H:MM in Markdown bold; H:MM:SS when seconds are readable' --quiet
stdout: **7:35**
